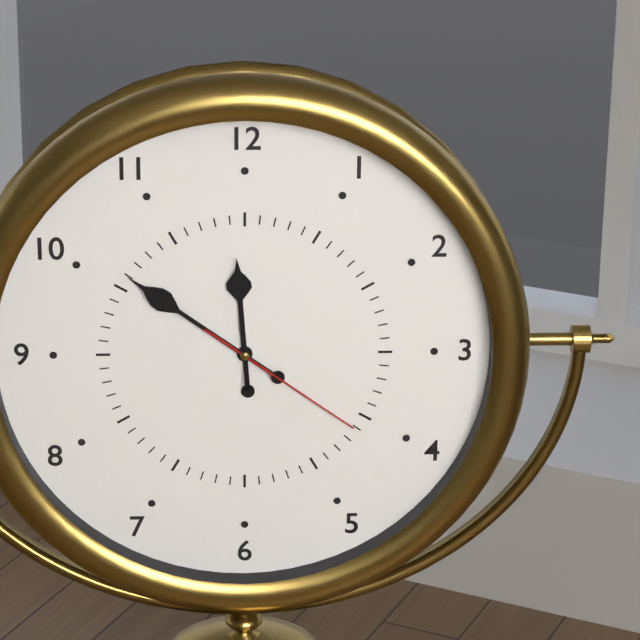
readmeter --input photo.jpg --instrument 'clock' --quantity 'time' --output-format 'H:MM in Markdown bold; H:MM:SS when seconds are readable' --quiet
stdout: **11:51:21**
